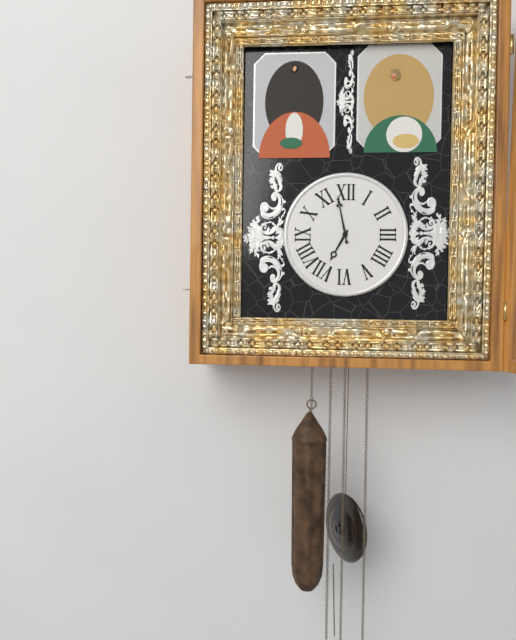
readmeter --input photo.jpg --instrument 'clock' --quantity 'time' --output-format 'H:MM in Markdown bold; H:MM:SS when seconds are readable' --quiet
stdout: **6:58**
